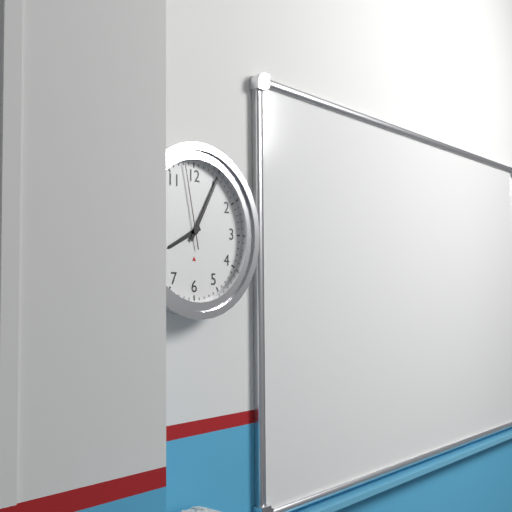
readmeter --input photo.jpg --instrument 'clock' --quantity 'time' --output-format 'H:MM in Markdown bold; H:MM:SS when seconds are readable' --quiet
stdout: **8:05:58**
